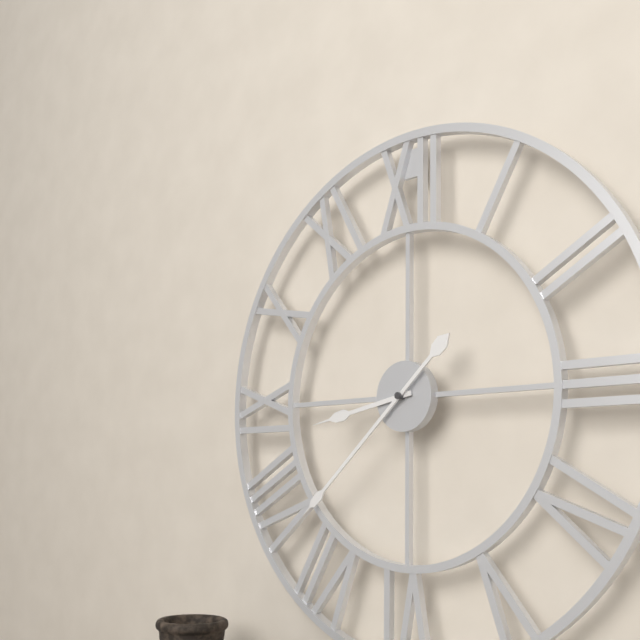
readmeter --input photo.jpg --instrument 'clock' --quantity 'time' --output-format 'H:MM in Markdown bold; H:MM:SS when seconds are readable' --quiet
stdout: **8:38**
